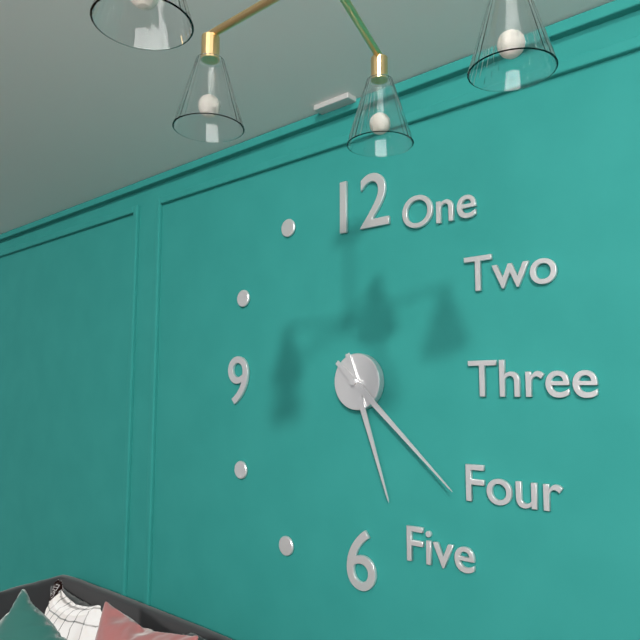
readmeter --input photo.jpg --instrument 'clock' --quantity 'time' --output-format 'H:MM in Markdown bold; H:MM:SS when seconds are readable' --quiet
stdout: **5:22**
